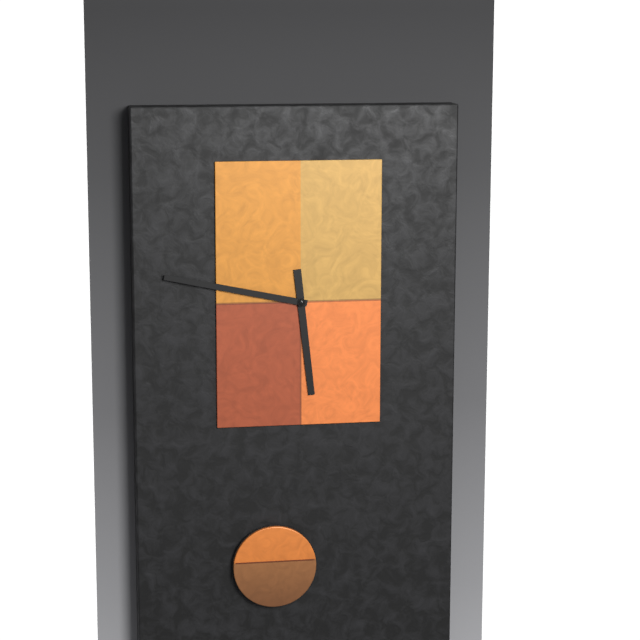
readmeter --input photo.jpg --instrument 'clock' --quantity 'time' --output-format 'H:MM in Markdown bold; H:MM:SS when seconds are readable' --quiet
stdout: **5:47**
